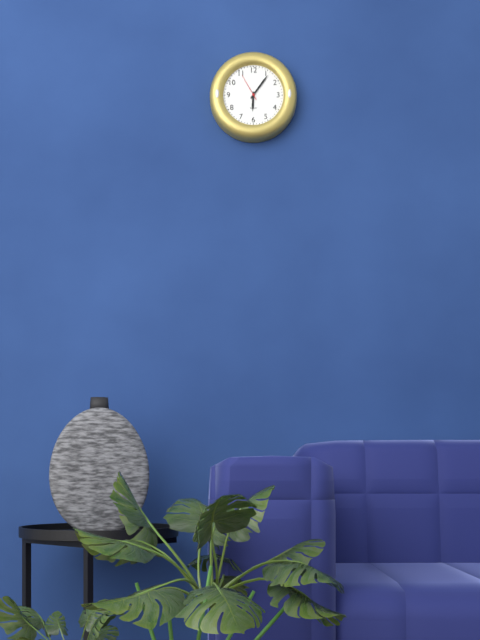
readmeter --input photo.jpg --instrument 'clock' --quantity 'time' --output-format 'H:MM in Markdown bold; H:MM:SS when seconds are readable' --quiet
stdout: **6:06**
